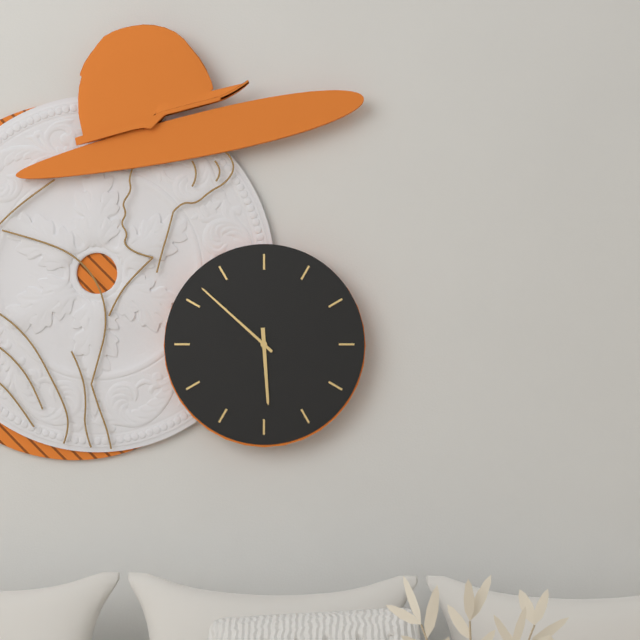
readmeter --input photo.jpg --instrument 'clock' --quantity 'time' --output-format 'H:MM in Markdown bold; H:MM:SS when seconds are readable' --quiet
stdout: **5:52**
